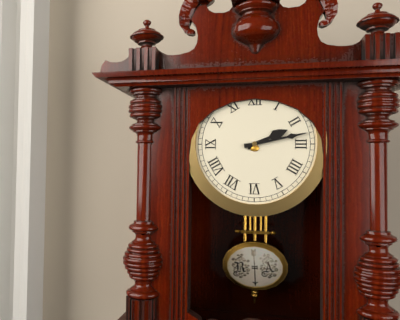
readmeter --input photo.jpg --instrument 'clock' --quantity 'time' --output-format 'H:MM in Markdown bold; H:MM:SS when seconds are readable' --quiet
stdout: **2:13**
